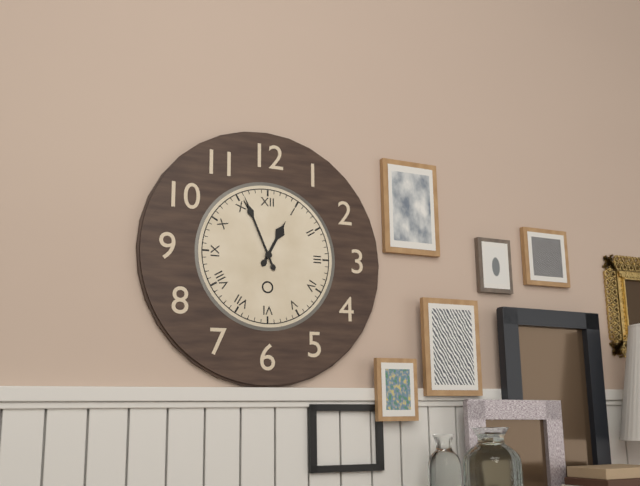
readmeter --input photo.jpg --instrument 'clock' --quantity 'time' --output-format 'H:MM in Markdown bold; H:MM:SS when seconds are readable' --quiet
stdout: **12:56**
